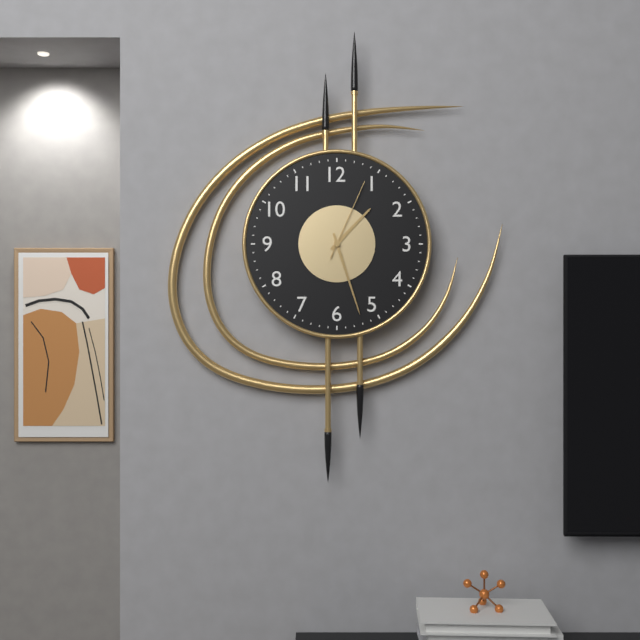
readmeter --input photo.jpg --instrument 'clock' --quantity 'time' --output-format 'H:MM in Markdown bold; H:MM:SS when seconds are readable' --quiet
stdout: **1:27:04**
